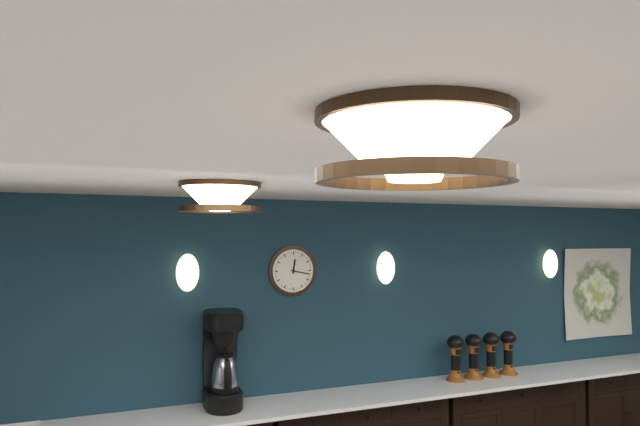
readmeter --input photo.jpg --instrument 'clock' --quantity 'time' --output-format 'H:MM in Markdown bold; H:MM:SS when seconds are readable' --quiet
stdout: **12:17**
